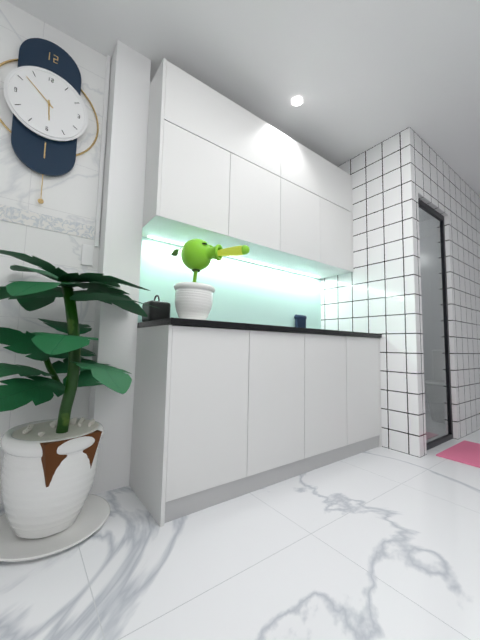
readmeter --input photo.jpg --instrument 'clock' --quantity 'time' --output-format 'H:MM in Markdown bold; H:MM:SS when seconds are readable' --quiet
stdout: **5:52**
